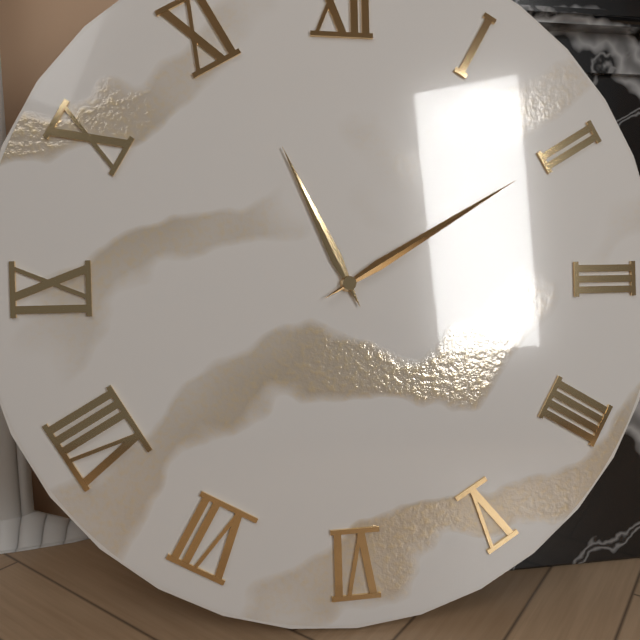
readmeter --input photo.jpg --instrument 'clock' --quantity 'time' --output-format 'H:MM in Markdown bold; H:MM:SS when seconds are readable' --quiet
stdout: **11:10**
